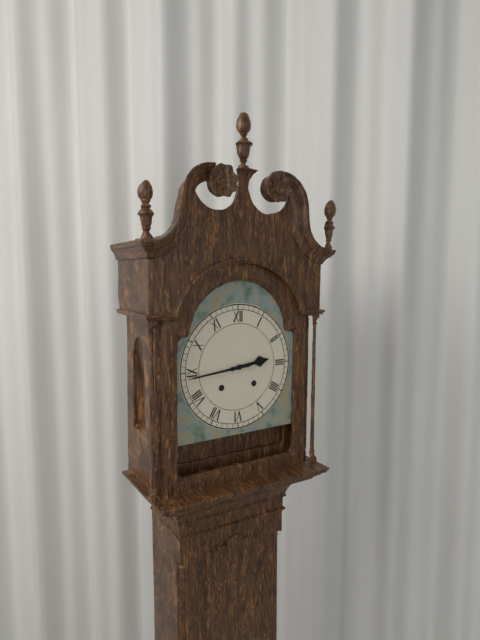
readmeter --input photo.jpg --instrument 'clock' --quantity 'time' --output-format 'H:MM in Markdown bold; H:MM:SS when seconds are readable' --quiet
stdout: **2:44**
